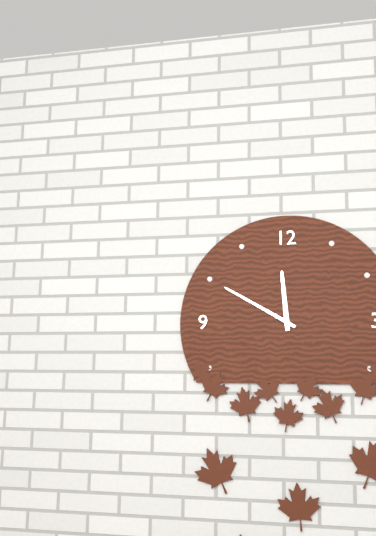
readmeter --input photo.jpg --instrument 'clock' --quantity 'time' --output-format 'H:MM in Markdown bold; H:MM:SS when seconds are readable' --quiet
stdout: **11:50**
